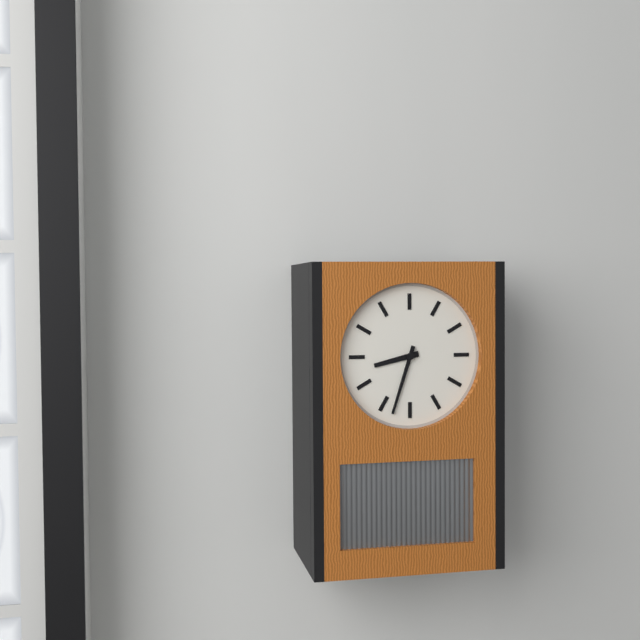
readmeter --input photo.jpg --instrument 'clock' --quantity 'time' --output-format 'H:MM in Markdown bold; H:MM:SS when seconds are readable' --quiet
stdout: **8:33**
